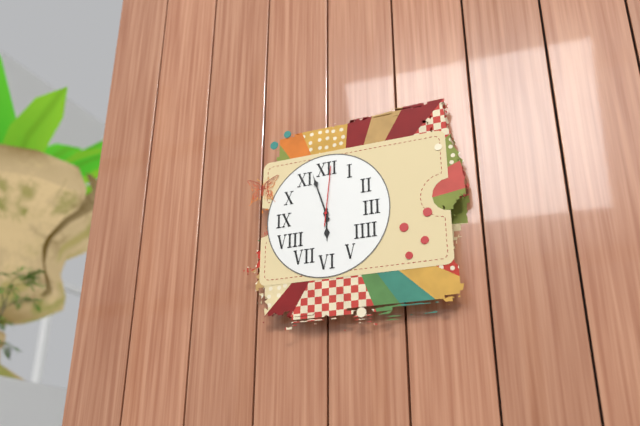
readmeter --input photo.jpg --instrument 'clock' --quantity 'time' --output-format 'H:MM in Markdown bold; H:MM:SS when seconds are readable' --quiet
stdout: **5:57:01**
